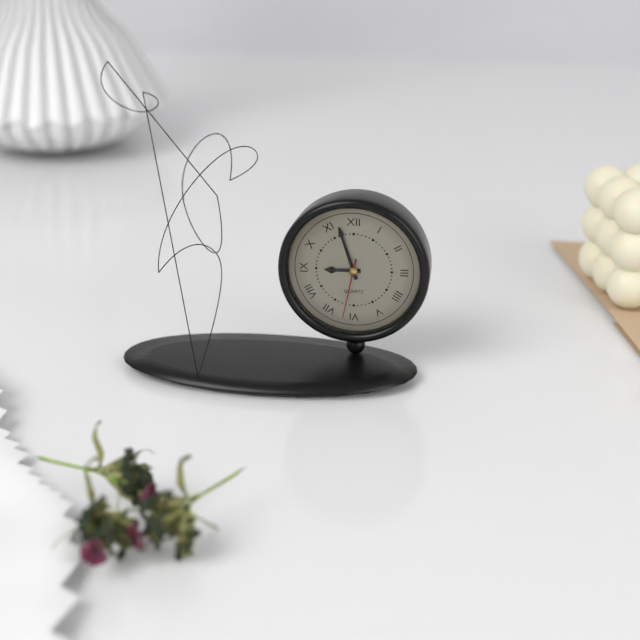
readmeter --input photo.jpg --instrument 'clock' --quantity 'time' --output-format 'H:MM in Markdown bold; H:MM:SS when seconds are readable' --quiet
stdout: **8:57:32**
